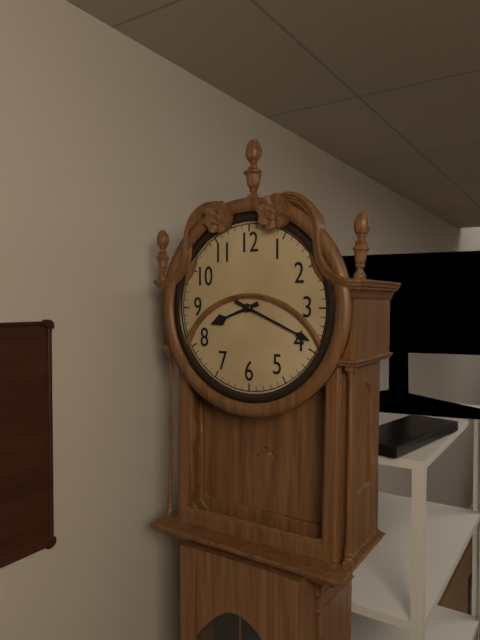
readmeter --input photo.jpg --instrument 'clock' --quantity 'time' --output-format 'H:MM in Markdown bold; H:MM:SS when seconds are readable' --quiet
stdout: **8:19**
